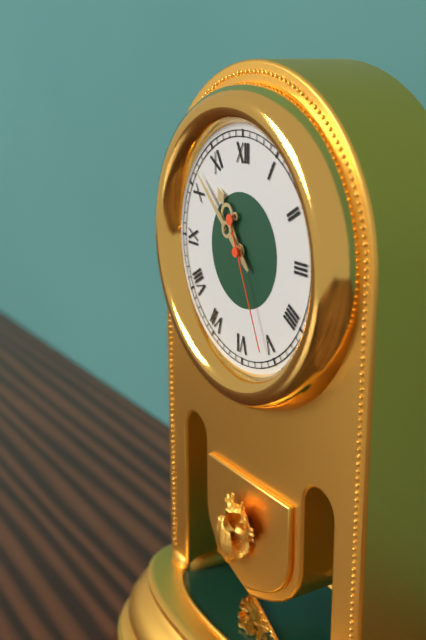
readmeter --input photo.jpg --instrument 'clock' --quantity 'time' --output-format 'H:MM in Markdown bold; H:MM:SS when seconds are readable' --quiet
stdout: **10:52:26**
